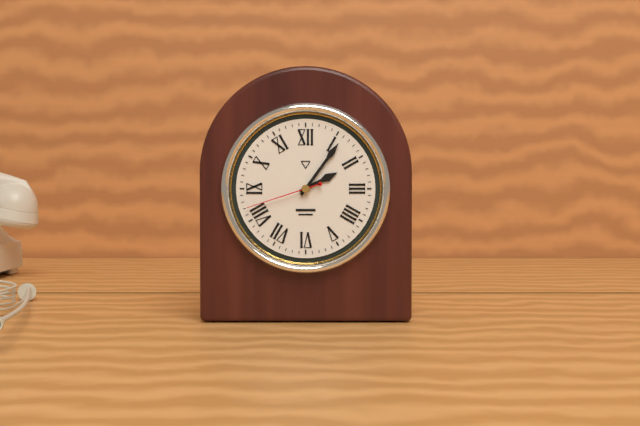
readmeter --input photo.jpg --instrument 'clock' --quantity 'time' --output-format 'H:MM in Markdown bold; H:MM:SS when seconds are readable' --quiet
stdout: **2:06:42**
